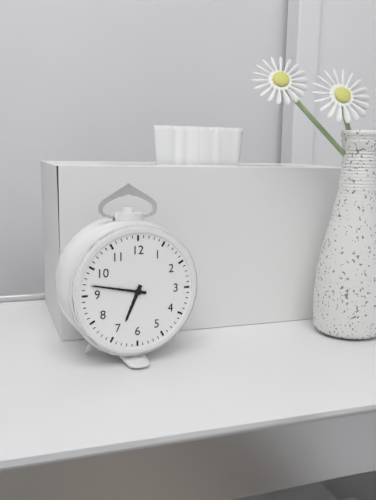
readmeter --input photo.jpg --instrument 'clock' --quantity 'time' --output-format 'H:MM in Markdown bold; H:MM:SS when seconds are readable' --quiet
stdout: **6:47**
